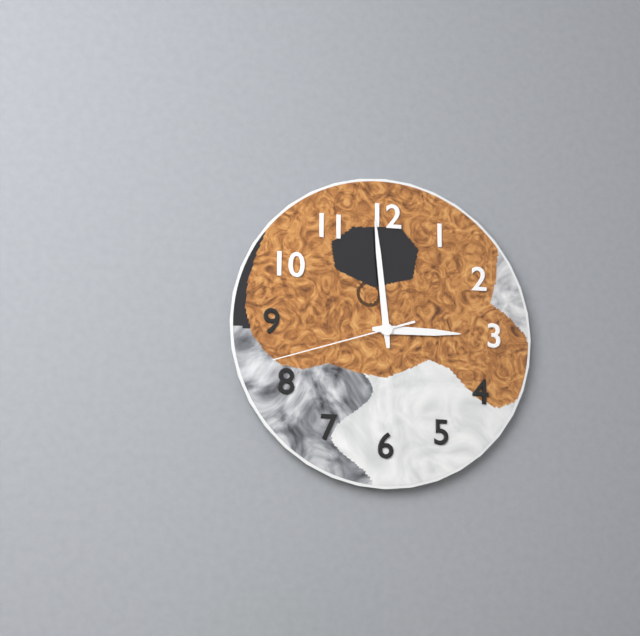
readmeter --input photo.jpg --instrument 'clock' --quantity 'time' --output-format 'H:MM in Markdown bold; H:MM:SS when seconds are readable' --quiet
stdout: **2:59:42**
